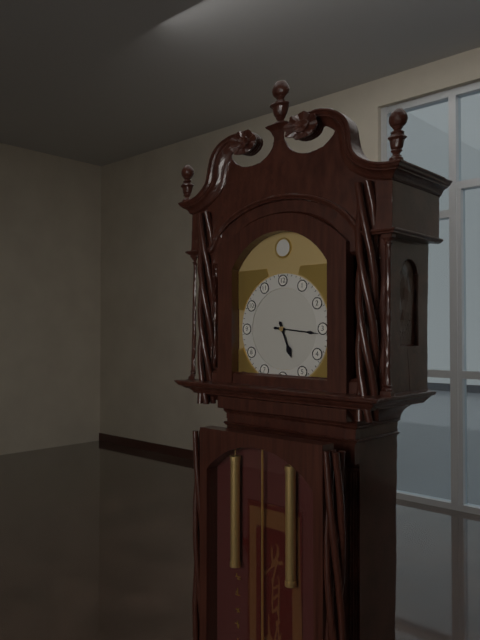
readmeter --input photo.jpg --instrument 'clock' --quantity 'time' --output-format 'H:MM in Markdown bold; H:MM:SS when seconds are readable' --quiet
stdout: **5:16**
